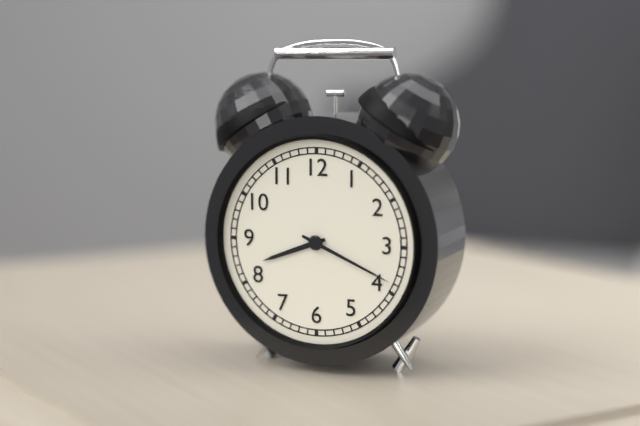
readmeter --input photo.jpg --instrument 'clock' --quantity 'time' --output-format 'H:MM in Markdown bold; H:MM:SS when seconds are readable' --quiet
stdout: **8:19**
